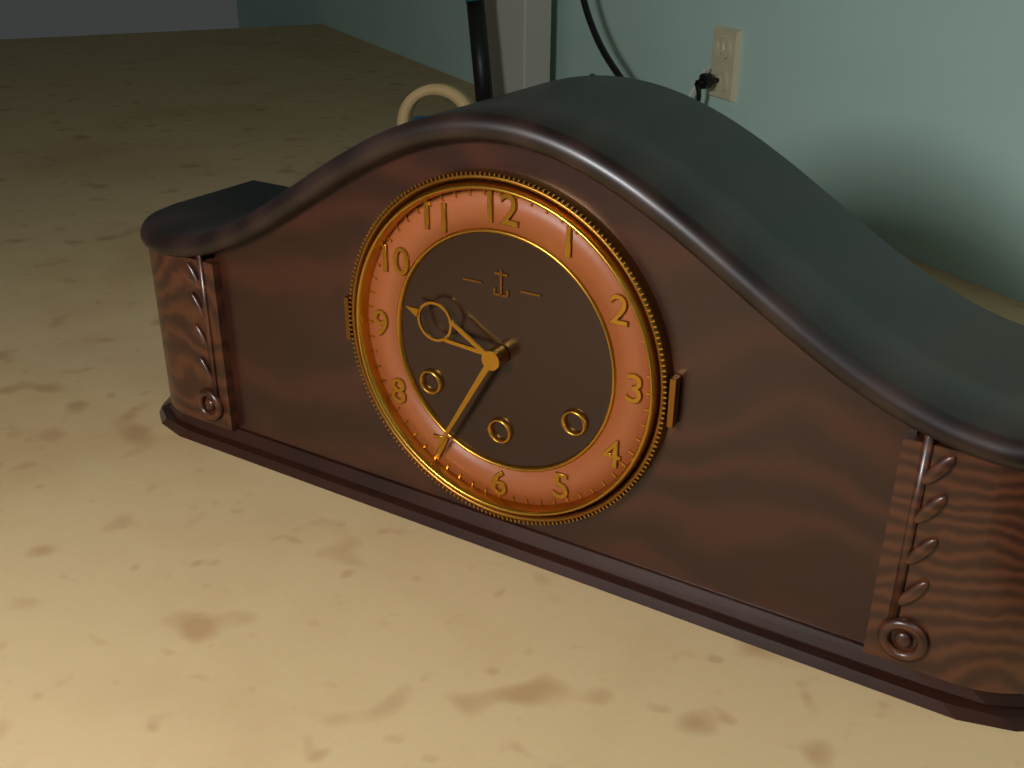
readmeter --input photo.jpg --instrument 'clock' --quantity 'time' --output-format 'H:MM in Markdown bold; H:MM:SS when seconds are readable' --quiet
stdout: **9:35**
